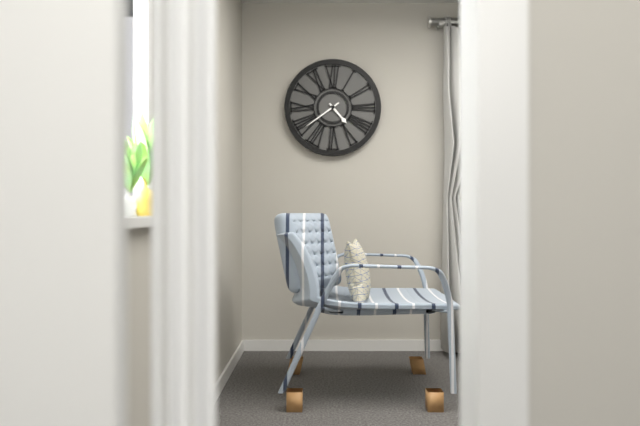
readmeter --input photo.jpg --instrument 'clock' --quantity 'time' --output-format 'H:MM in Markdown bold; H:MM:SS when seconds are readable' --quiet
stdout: **4:39**
